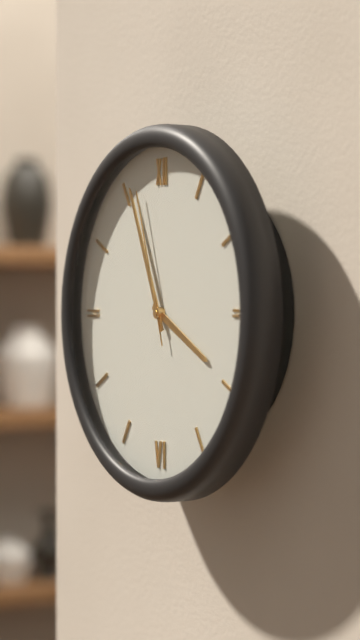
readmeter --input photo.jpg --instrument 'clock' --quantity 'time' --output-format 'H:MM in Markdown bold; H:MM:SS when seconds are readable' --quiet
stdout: **3:56:57**
